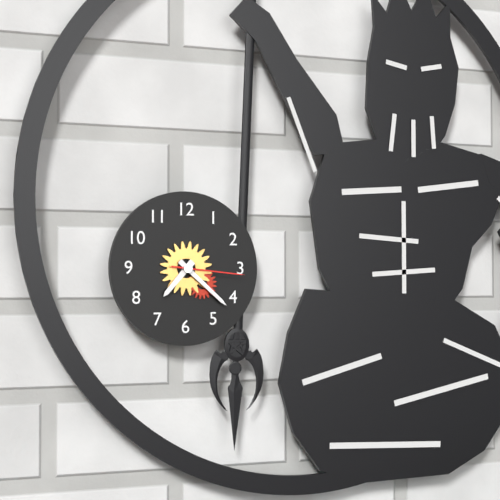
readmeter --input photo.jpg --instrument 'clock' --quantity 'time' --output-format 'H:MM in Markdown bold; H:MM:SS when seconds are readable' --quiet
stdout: **7:22:16**
